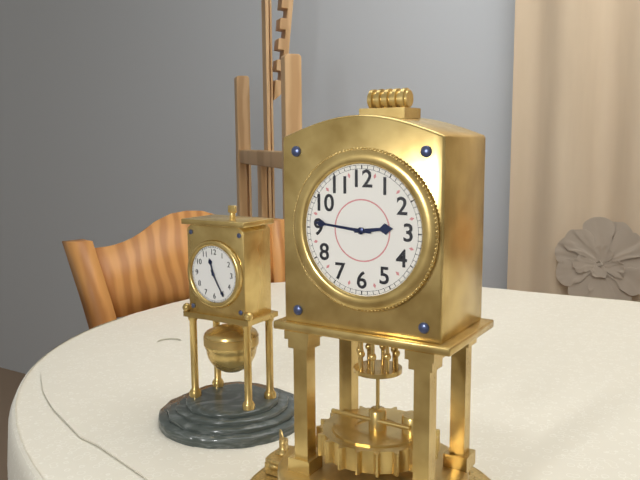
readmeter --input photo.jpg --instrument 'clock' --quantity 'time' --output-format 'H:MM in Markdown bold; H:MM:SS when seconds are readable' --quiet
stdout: **2:46**
